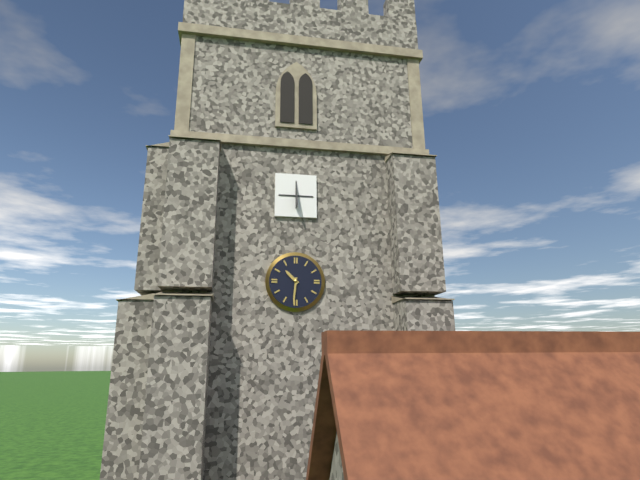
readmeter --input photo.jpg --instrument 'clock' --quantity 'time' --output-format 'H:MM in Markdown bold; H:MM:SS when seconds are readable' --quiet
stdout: **10:31**
